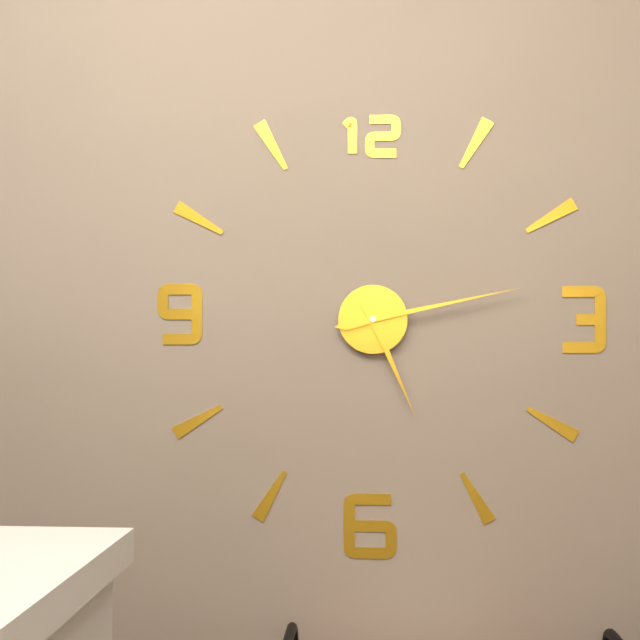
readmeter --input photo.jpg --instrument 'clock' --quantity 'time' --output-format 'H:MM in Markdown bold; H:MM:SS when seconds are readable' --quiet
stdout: **5:13**
